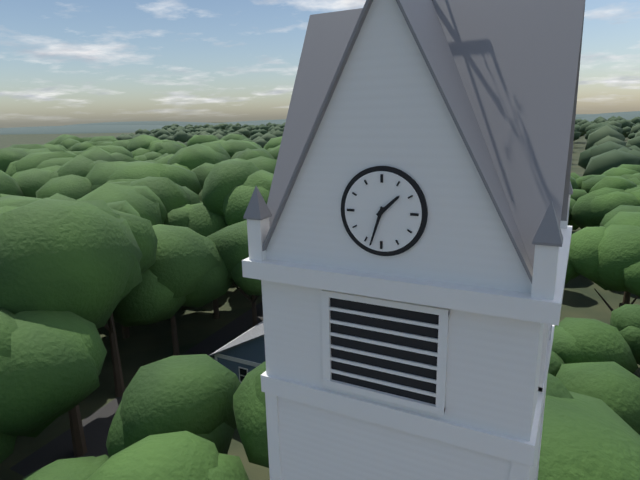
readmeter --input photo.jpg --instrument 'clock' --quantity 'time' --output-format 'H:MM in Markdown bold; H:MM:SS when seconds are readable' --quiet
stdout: **1:33**
